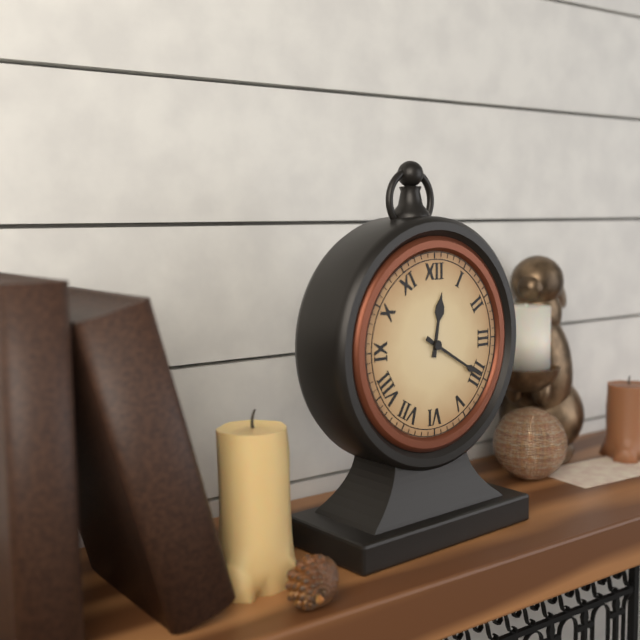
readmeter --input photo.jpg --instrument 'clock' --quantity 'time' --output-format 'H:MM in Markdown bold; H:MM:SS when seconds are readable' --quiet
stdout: **12:20**
